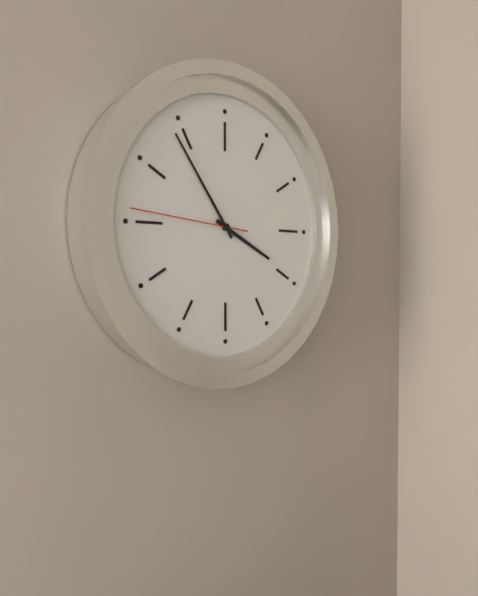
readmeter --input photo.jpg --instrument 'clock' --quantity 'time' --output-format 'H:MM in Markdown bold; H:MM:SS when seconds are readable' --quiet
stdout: **3:54:46**
